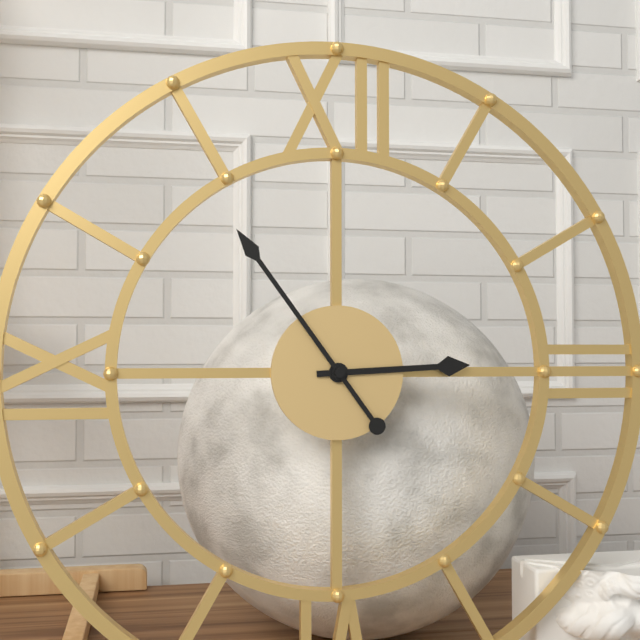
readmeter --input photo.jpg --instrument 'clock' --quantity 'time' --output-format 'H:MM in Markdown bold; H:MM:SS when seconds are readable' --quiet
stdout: **2:54**
